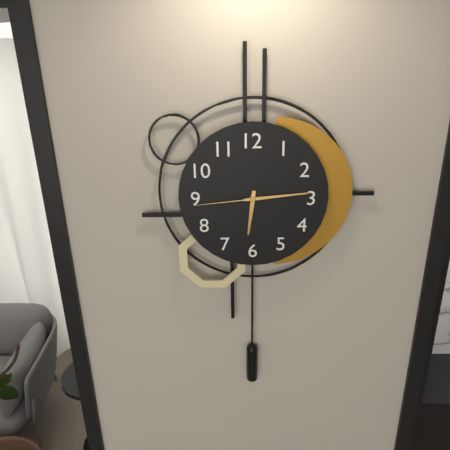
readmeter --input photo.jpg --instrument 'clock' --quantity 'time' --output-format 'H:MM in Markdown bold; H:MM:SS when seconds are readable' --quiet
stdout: **6:14:44**
